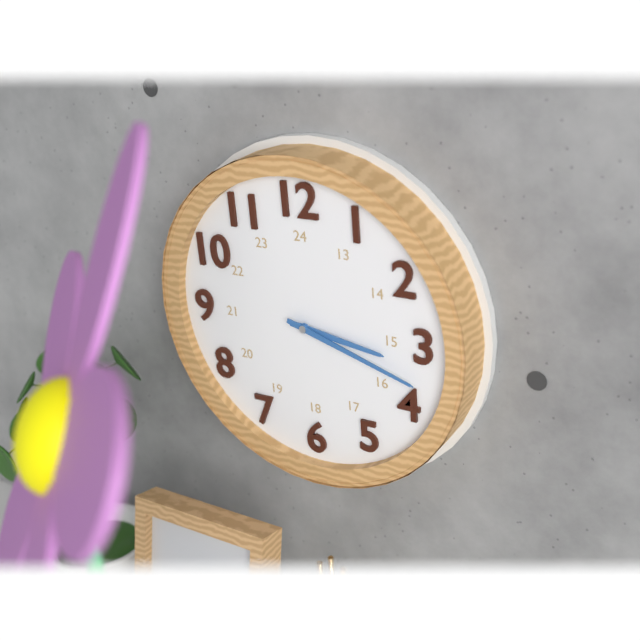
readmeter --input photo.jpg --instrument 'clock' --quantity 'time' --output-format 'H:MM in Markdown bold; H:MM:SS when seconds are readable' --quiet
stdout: **3:18**
